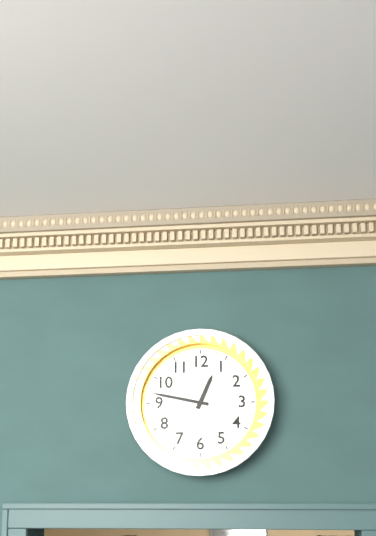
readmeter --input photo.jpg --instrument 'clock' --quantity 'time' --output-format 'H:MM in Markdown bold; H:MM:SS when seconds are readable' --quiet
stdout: **12:47**
